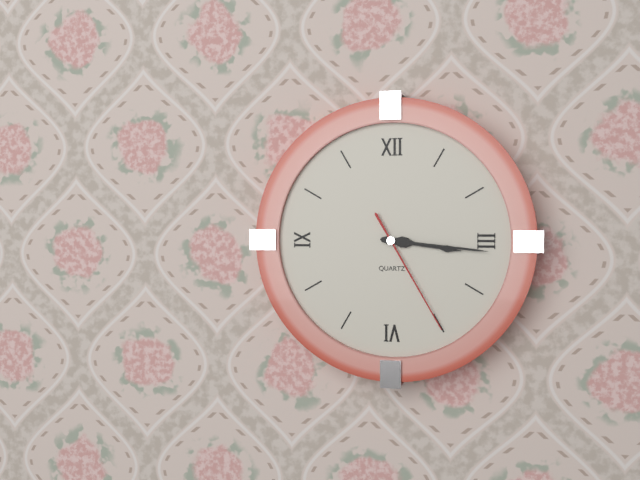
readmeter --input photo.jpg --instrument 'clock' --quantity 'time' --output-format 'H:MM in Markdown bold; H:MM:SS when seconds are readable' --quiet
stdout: **3:16:25**
